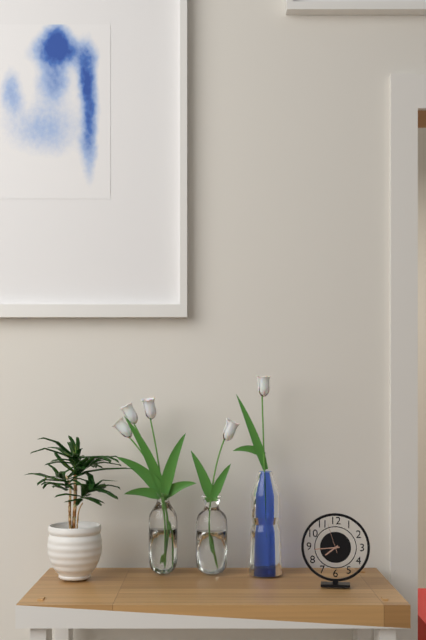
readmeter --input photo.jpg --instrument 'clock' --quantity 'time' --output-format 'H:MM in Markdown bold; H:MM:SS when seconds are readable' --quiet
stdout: **7:44**
